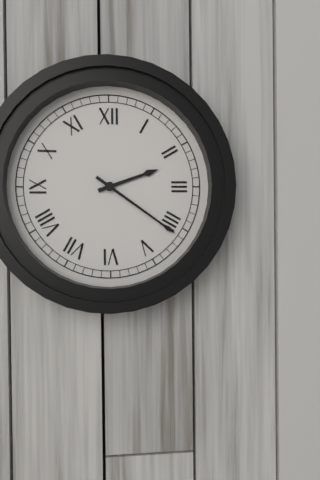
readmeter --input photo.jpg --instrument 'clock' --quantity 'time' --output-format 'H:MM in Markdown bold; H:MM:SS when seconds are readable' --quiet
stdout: **2:21**
